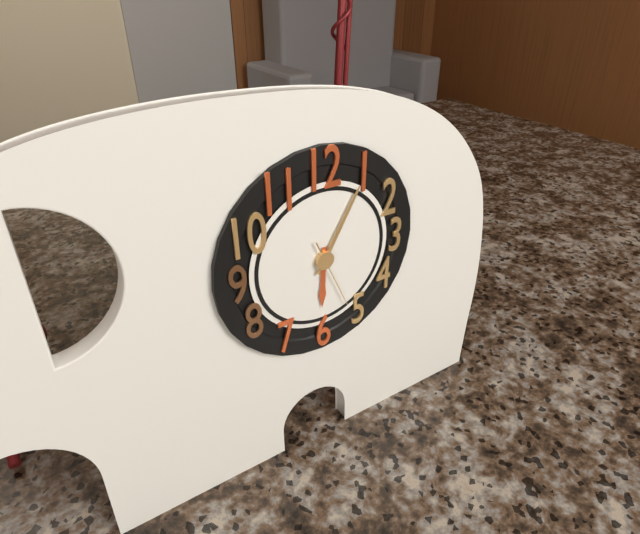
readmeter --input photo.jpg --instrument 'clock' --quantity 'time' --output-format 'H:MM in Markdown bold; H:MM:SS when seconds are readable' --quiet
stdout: **6:05:26**
